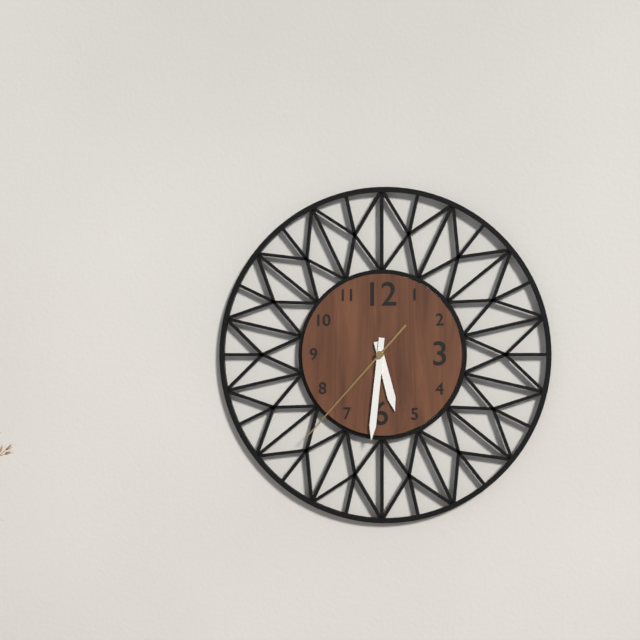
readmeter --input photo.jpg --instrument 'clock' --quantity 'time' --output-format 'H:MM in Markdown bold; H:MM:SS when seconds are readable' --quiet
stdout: **5:31:37**
